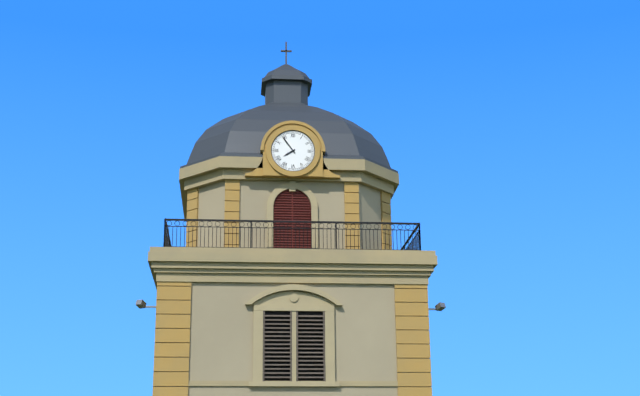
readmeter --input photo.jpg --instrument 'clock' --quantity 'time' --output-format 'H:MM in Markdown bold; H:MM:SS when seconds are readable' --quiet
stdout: **7:54**
